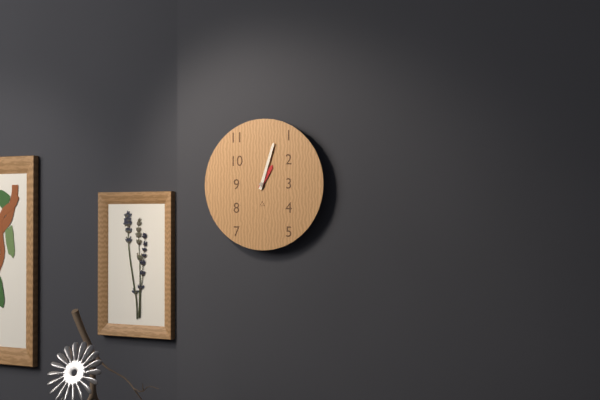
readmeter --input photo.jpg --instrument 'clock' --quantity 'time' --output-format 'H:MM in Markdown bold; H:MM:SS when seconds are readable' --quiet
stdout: **1:03**
